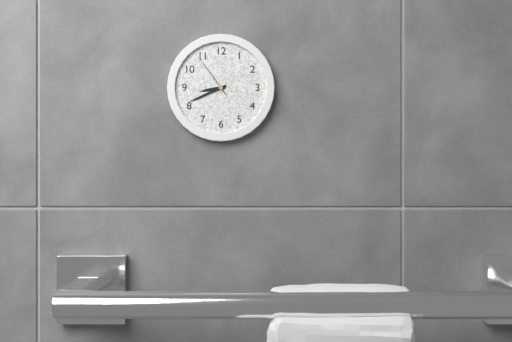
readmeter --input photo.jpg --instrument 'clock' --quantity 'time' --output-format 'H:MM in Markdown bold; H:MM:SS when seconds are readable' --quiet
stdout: **8:41**
